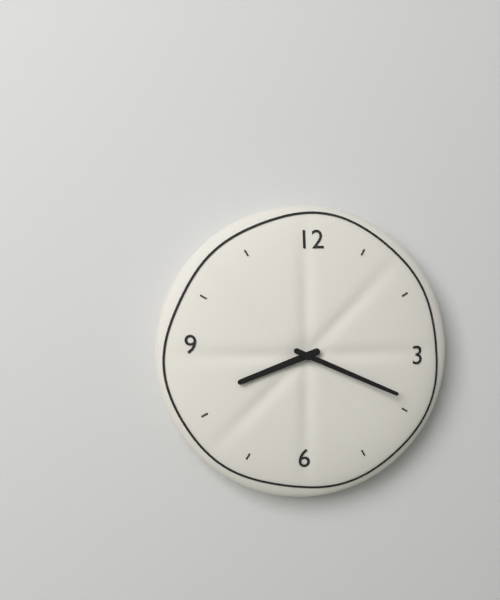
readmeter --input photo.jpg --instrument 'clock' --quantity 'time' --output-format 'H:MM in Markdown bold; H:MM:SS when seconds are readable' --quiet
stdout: **8:19**
